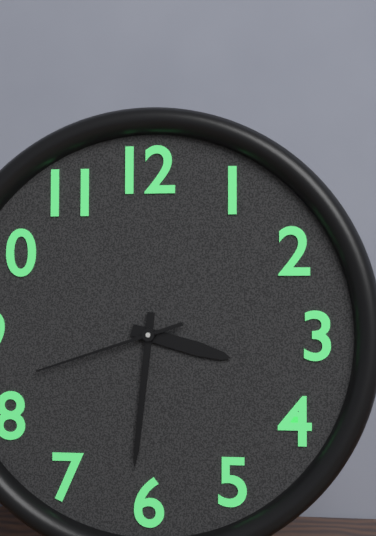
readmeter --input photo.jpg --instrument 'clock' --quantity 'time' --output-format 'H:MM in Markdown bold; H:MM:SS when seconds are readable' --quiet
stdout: **3:31:42**
